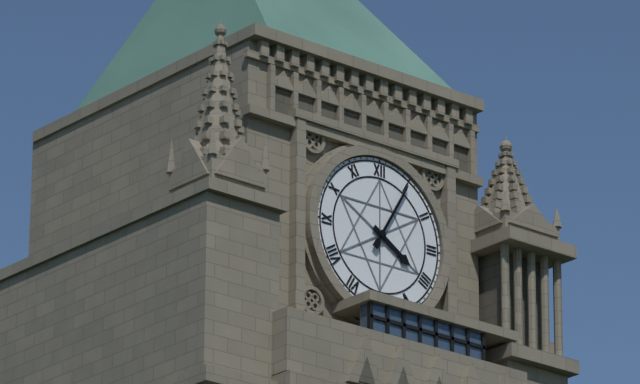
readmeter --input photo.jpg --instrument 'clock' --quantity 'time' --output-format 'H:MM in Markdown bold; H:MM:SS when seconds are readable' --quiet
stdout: **4:05**
